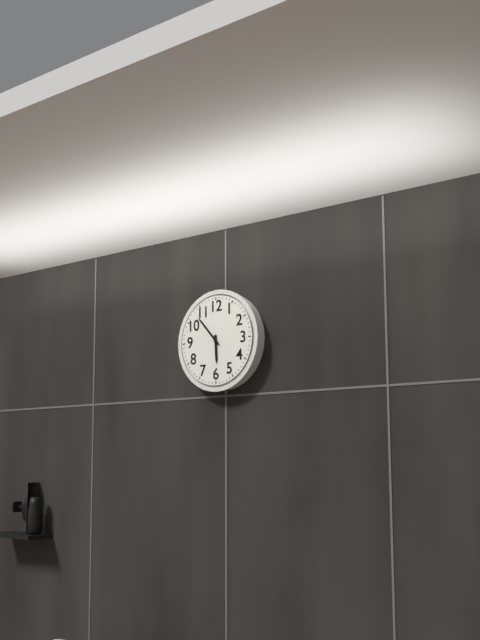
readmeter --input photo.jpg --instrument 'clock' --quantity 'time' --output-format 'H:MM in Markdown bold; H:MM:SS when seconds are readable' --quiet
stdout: **5:53**
